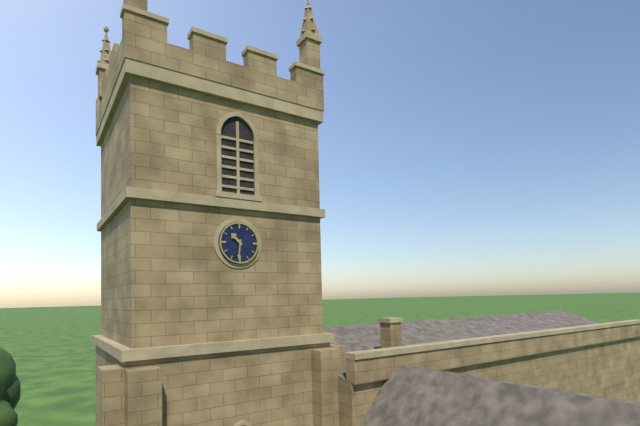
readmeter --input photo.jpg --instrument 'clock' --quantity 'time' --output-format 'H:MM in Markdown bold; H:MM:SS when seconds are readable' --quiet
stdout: **10:31**
